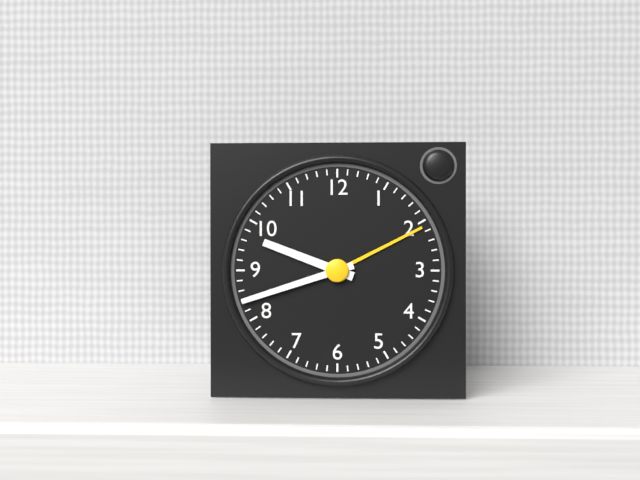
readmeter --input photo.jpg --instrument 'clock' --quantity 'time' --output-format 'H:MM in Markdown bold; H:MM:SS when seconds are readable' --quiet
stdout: **9:42**
